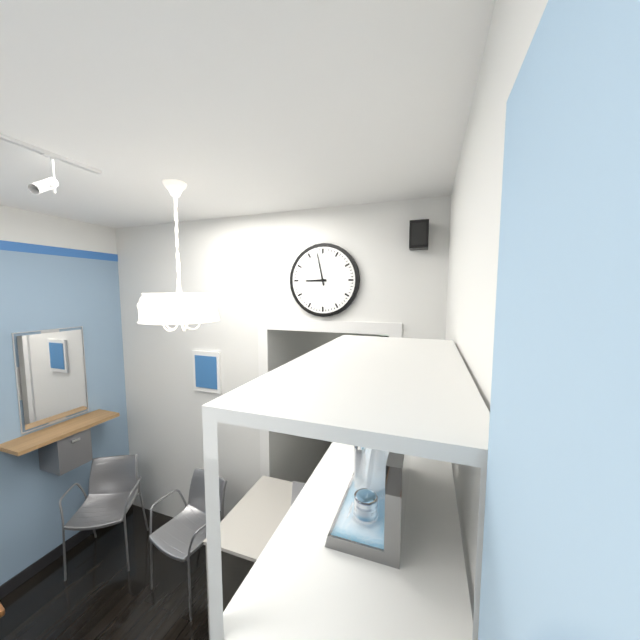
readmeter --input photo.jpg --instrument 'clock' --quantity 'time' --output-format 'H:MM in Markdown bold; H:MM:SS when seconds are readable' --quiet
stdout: **8:58**
